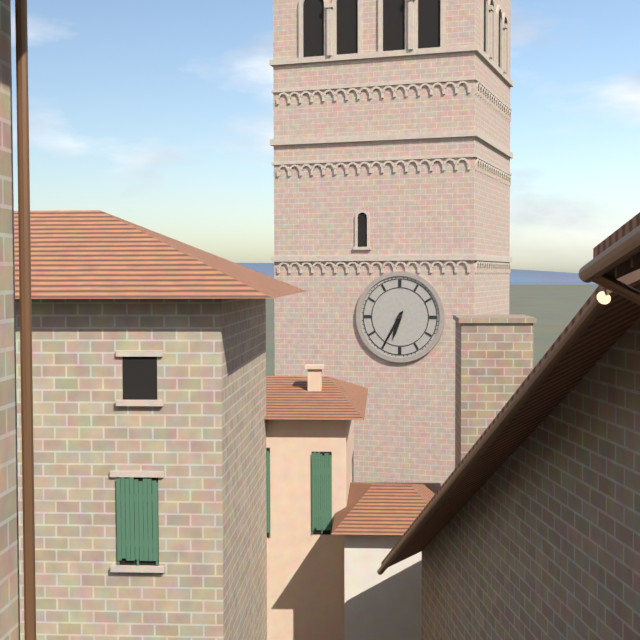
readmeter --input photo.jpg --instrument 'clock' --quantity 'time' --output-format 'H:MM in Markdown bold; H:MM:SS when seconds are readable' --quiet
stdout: **6:35**
